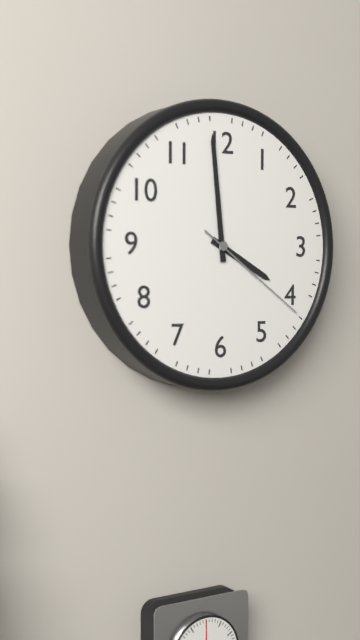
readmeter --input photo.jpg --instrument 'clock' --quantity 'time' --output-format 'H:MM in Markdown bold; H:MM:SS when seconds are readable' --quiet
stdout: **3:59:21**
